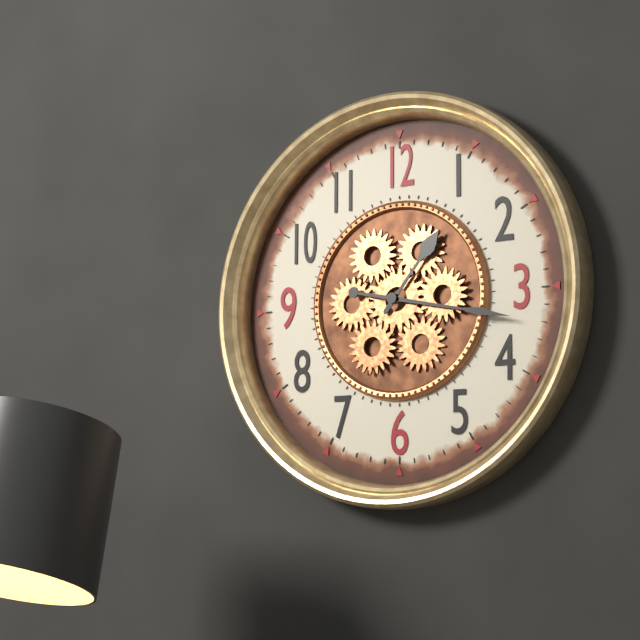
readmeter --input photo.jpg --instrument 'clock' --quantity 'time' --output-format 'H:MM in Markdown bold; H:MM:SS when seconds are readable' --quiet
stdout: **1:17**
